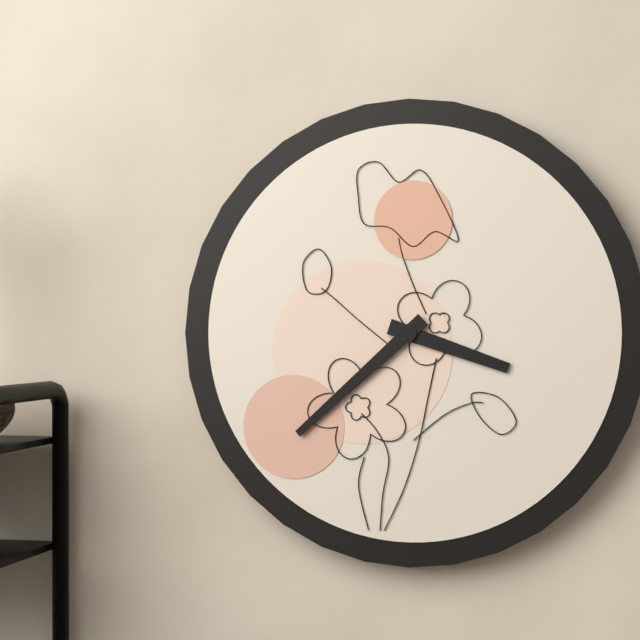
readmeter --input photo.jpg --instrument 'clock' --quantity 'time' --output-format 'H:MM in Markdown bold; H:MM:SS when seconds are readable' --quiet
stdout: **3:38**
